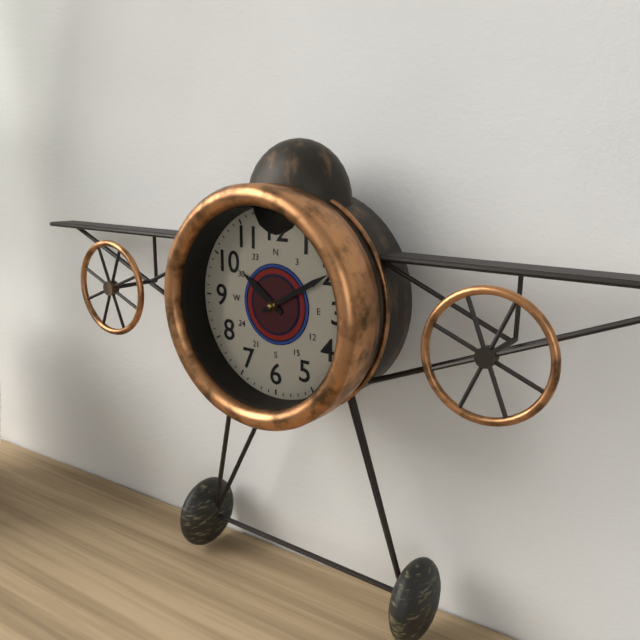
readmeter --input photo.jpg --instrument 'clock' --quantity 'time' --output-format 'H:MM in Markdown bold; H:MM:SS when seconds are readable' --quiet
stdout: **10:10**
